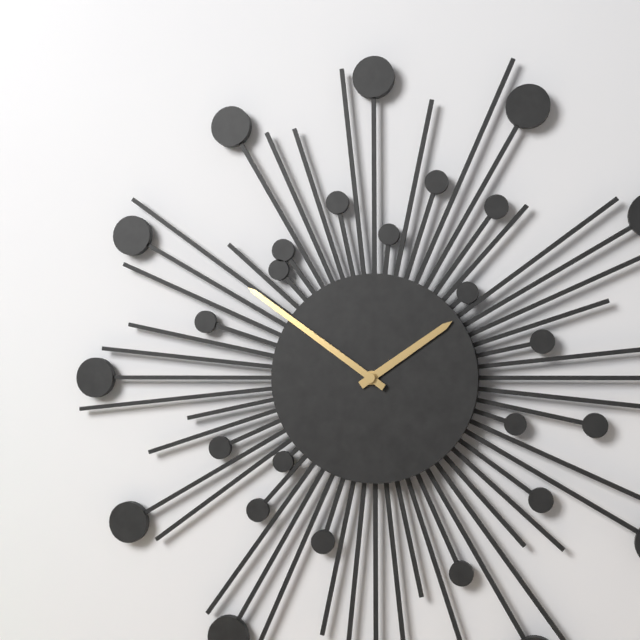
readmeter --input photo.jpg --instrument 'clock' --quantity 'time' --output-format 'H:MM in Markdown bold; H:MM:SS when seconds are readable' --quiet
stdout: **1:51**
